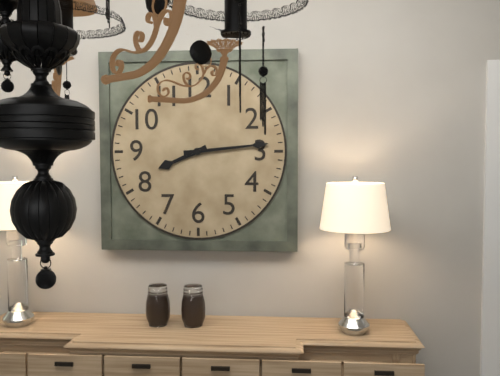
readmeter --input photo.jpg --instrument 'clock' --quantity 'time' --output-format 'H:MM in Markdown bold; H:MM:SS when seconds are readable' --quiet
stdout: **8:14**
